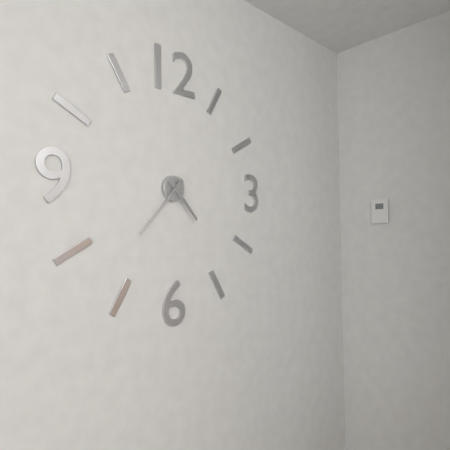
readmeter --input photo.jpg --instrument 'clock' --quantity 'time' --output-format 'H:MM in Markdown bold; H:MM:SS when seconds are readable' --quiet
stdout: **4:37**
